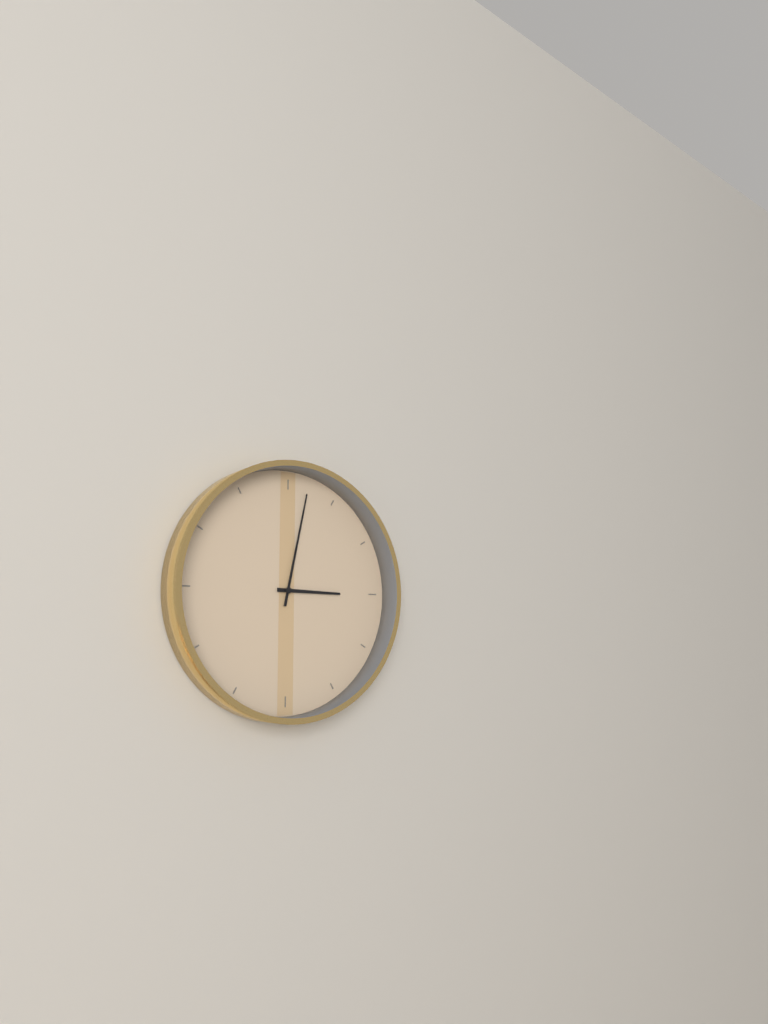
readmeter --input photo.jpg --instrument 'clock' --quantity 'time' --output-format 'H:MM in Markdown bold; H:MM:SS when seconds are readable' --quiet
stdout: **3:02**
